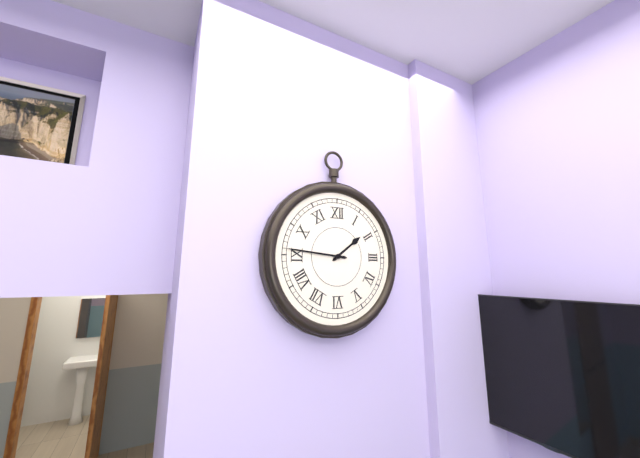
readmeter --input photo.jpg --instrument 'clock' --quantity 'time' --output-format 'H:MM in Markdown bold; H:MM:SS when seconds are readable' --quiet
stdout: **1:46**
